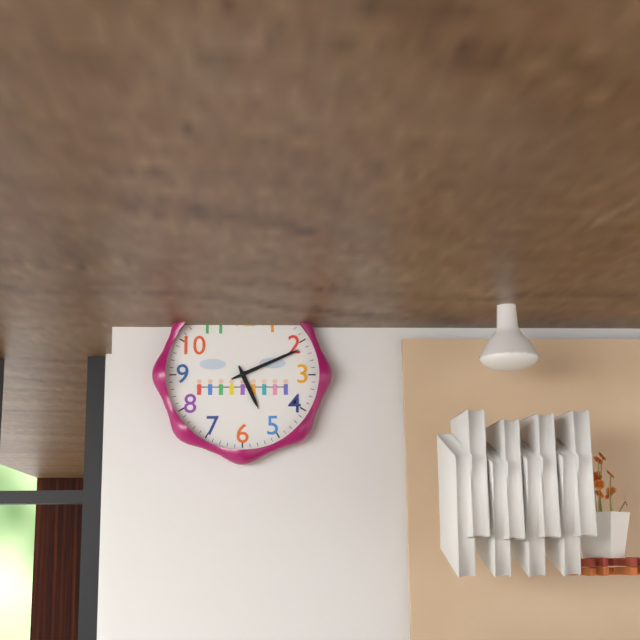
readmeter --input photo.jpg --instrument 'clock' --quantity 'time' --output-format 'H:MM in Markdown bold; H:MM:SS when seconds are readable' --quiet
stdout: **5:11**
